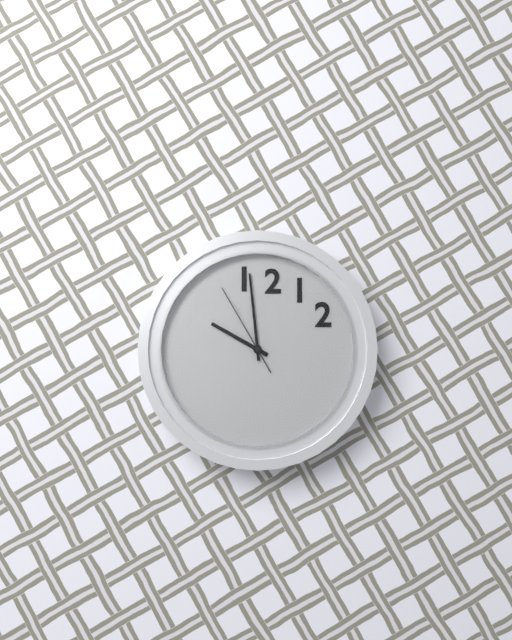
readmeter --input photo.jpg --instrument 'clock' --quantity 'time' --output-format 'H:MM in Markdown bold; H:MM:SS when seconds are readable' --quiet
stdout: **9:59:55**
